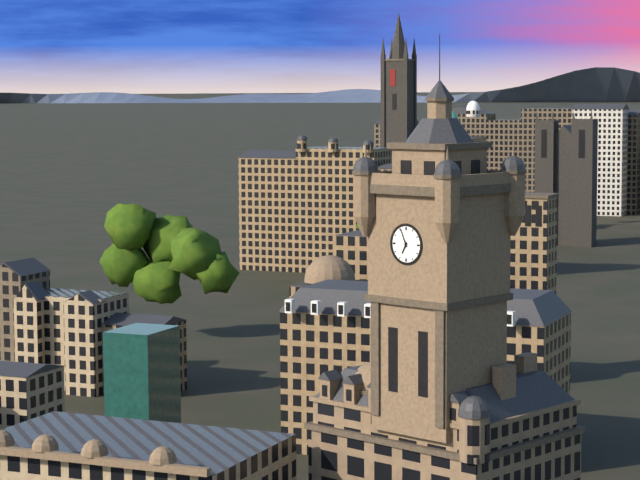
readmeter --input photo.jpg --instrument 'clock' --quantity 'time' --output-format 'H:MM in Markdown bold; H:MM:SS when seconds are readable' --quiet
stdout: **6:56**
